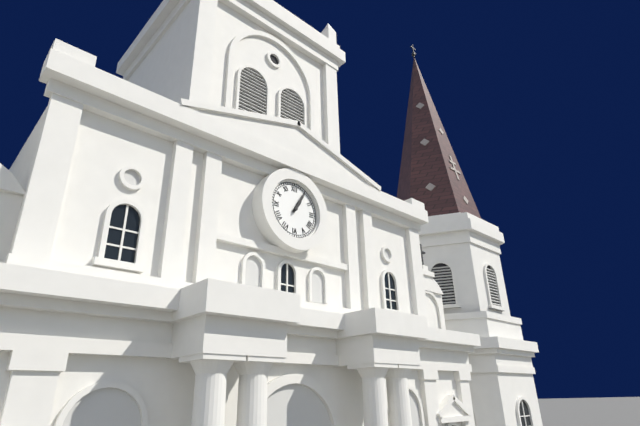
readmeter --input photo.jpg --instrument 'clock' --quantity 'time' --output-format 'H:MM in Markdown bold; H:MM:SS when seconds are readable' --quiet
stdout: **1:05**
